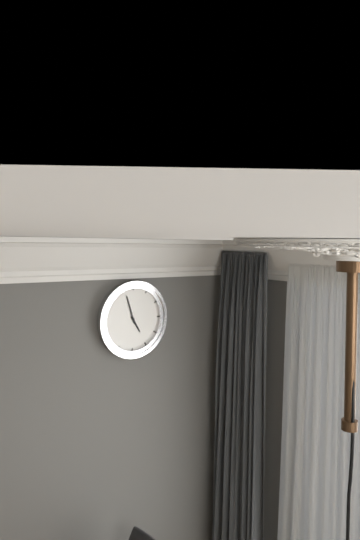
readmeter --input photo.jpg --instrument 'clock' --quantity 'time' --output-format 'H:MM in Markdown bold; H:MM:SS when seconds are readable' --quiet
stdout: **4:57**
